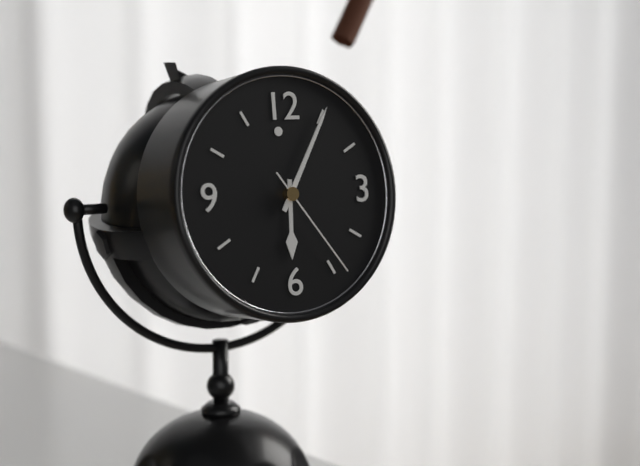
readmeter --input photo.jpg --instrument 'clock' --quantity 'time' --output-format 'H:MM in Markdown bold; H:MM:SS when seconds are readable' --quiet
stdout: **6:05:24**
